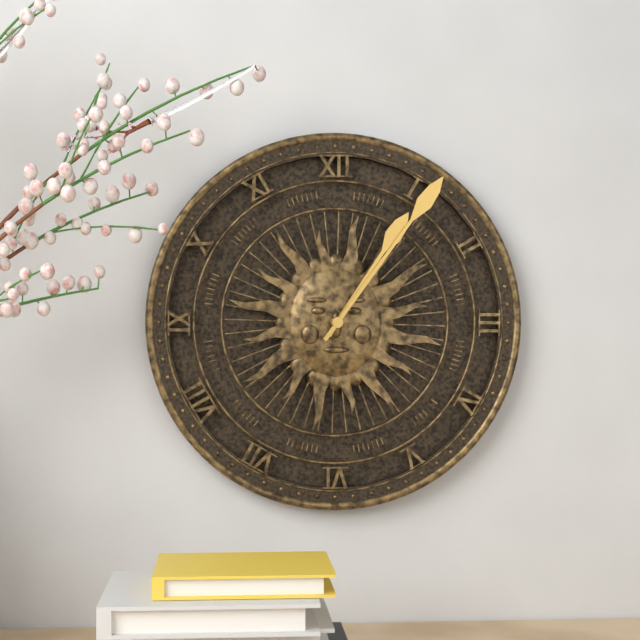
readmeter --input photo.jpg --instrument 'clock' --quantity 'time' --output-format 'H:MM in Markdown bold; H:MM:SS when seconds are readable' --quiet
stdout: **1:06**
